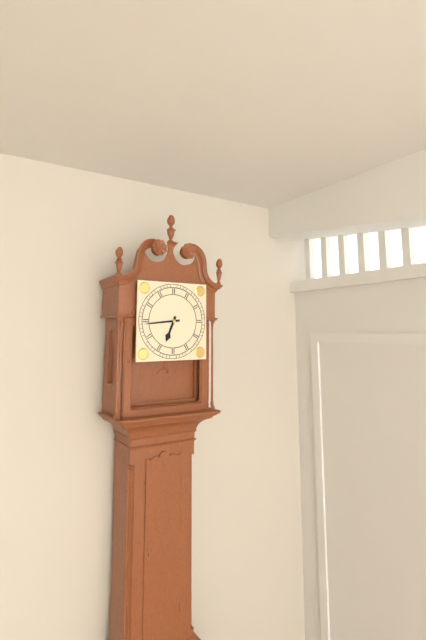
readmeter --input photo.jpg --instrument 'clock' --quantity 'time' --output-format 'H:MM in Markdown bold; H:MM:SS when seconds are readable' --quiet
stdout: **6:44**
